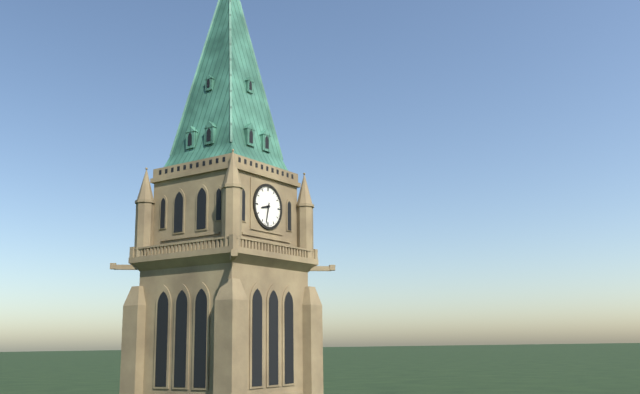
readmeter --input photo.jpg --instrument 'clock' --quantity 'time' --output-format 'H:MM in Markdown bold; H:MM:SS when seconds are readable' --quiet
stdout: **8:32**
